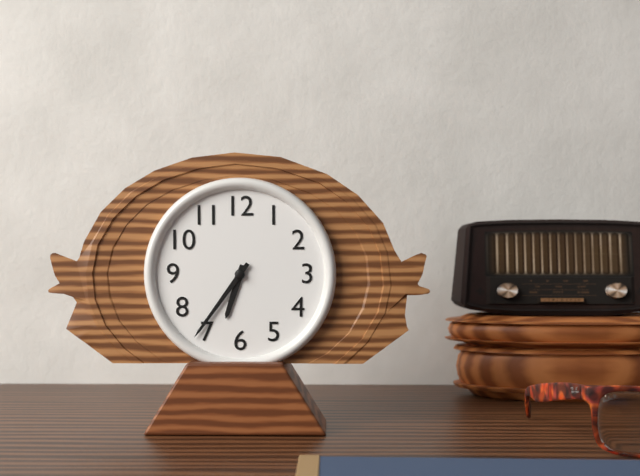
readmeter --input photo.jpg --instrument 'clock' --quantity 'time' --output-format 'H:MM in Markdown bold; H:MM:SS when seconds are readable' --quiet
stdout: **6:36**
